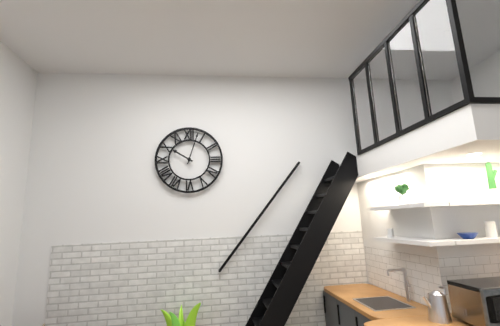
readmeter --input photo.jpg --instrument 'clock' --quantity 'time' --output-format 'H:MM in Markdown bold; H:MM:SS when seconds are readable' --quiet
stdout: **10:03**
